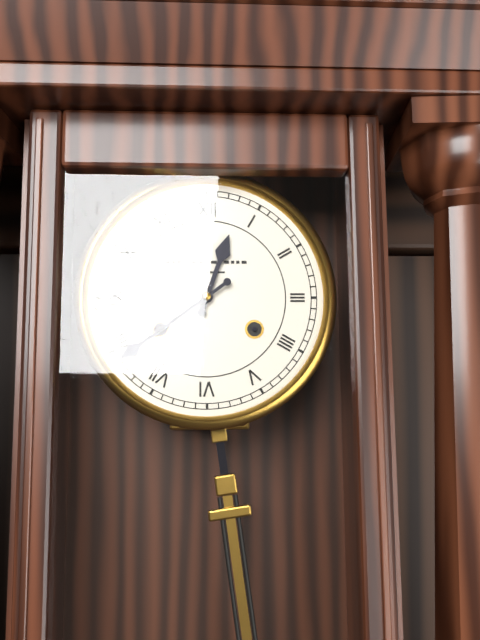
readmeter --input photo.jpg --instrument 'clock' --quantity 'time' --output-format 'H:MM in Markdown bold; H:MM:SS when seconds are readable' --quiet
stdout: **12:39**
